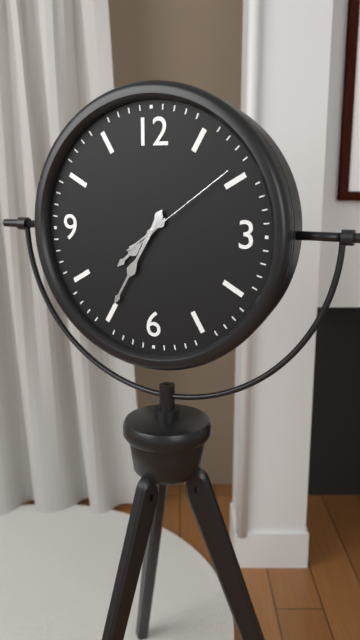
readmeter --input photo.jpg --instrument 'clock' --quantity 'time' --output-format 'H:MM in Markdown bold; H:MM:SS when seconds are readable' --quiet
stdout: **7:35:09**
